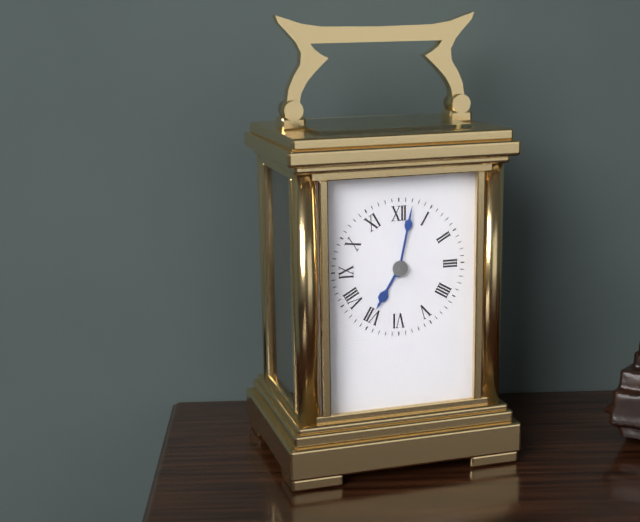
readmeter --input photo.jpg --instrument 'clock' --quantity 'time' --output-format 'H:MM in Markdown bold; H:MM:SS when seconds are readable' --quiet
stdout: **7:02**
